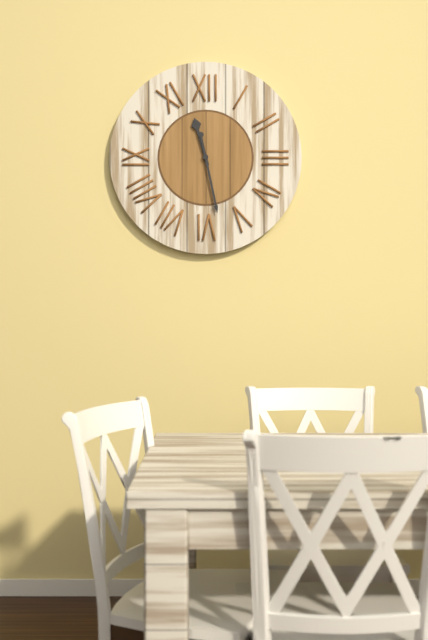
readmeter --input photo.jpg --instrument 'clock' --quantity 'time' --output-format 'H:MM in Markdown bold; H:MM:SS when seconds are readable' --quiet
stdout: **11:28**
